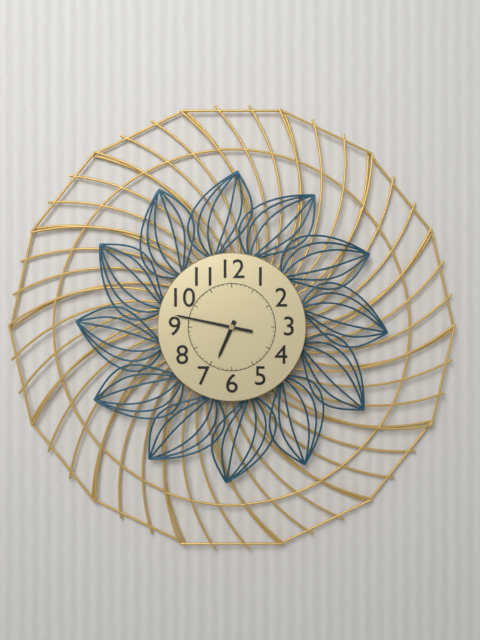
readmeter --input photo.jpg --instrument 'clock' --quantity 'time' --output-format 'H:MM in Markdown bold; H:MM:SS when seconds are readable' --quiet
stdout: **6:47**
